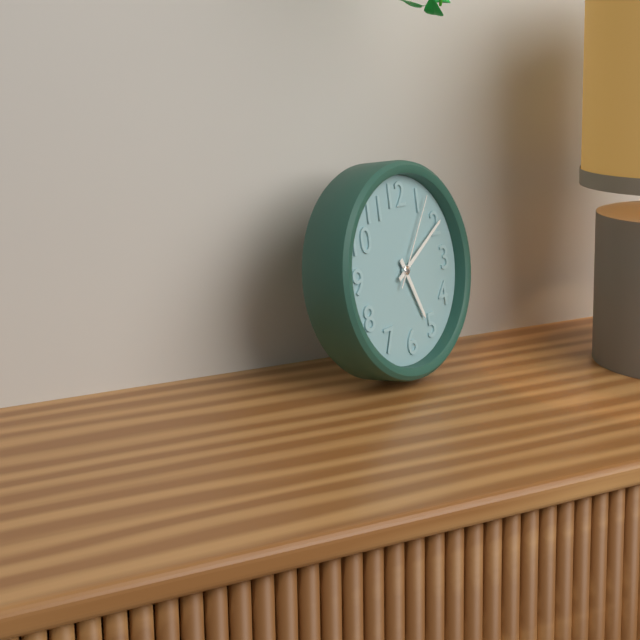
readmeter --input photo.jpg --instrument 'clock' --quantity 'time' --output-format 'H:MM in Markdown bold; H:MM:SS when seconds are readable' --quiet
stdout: **5:10:06**
